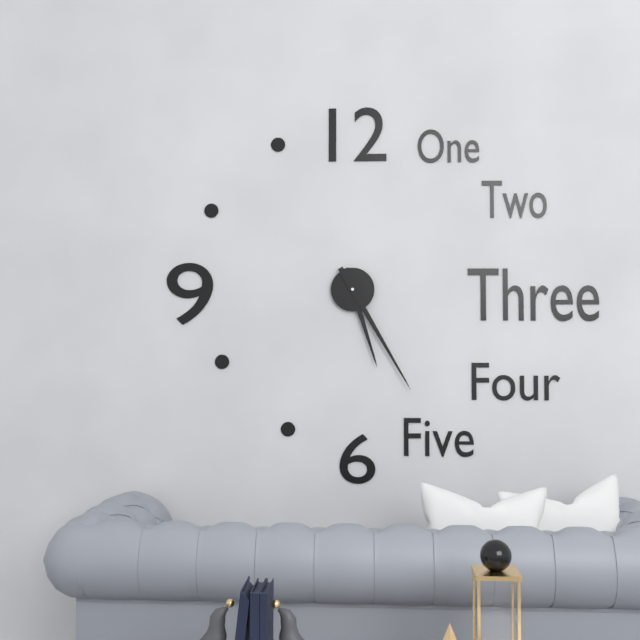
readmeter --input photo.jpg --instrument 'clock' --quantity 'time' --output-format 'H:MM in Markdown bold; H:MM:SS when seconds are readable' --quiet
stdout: **5:25**
